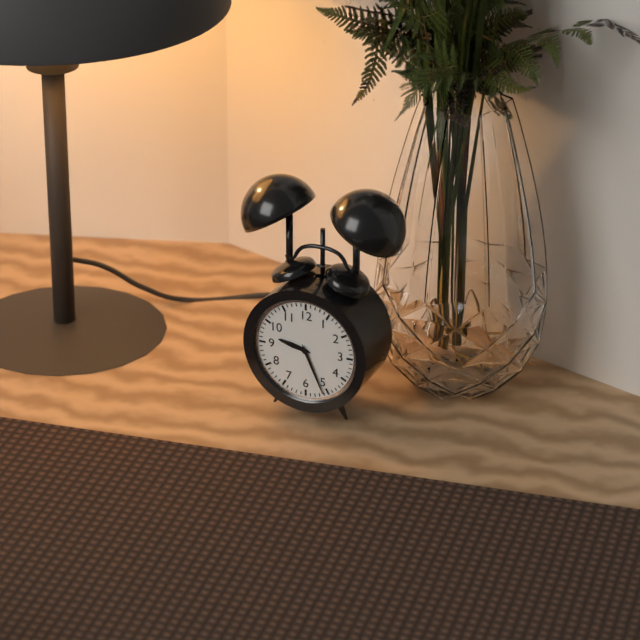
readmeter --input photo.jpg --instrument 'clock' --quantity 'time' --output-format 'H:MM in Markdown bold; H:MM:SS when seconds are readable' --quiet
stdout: **9:26**
